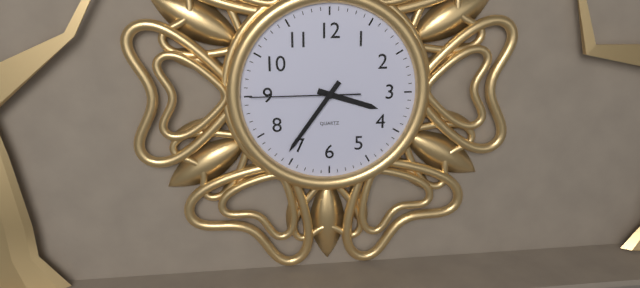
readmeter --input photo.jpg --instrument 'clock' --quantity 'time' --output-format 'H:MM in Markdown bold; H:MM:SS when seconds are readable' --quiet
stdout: **3:36:45**
